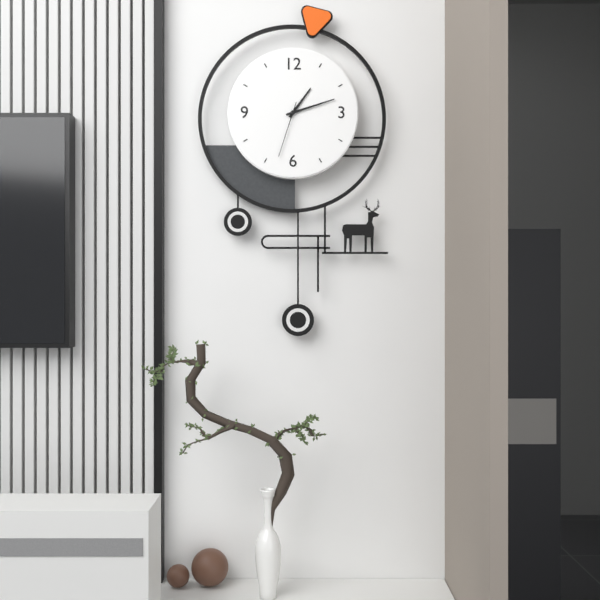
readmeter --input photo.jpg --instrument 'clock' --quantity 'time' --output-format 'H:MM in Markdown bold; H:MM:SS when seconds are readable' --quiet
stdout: **1:12:33**
